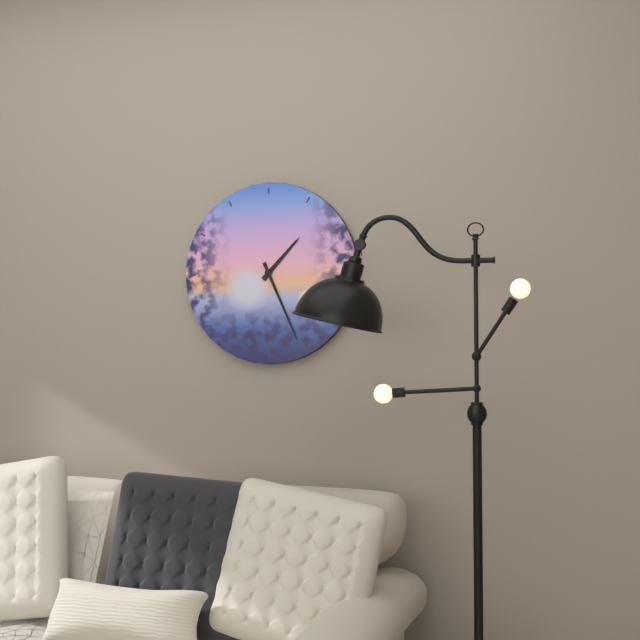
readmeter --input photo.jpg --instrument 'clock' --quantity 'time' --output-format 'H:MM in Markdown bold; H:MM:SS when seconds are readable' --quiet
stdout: **1:26**
